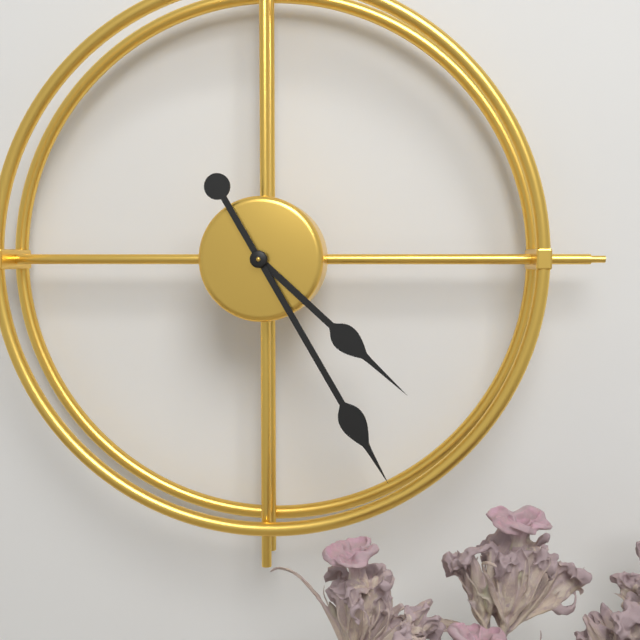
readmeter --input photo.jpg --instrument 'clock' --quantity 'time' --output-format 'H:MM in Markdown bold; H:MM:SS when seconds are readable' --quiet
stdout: **4:25**
